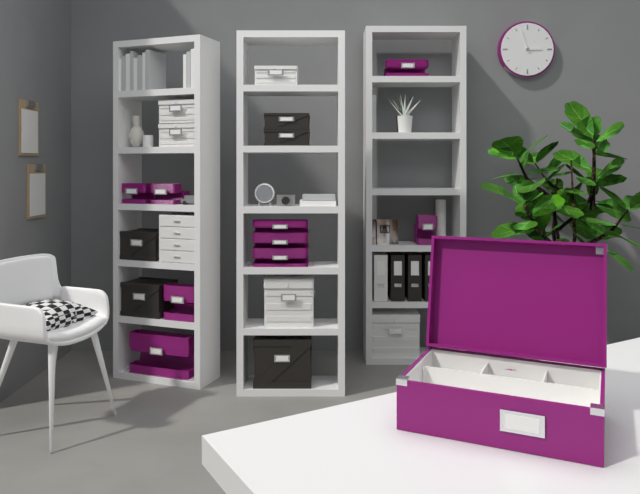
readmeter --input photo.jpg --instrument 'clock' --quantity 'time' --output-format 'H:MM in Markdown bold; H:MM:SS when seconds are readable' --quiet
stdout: **2:57**
